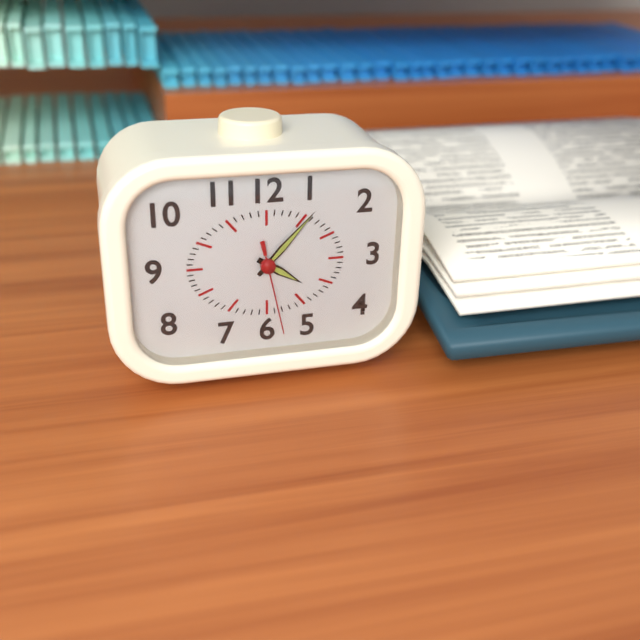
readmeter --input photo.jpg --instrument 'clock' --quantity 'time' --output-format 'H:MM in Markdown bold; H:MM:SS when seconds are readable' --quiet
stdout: **4:07:28**
